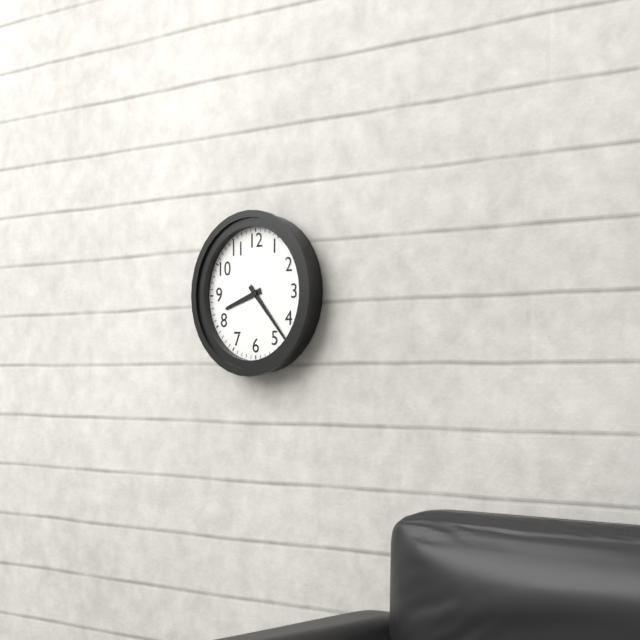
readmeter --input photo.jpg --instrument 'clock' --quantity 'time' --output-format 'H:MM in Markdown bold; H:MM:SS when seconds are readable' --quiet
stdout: **8:23**
